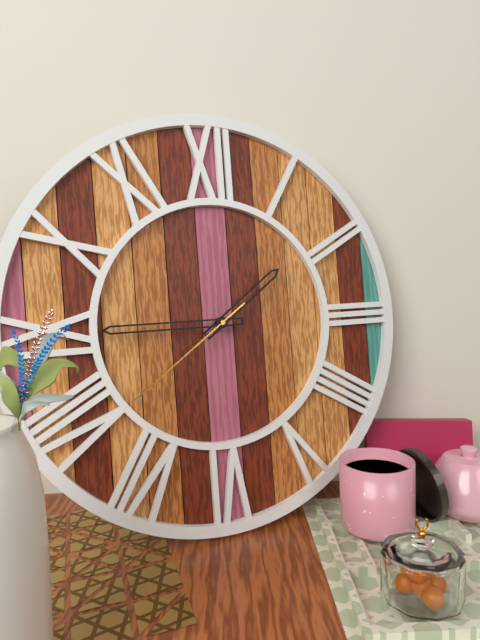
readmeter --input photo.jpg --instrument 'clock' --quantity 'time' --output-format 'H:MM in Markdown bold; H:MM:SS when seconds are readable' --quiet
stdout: **1:45:39**
